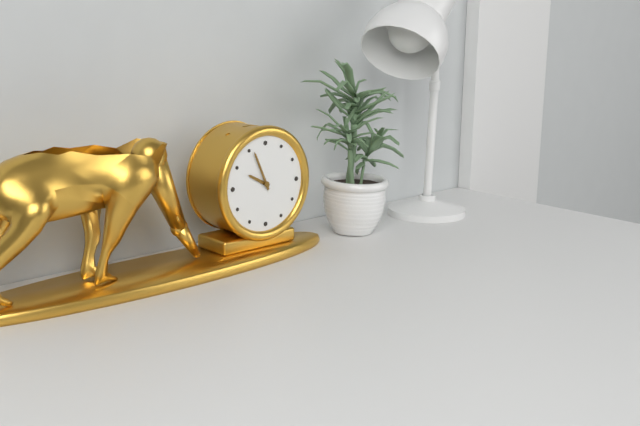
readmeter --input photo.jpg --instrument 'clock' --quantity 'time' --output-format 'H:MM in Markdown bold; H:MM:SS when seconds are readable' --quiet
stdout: **9:56**
